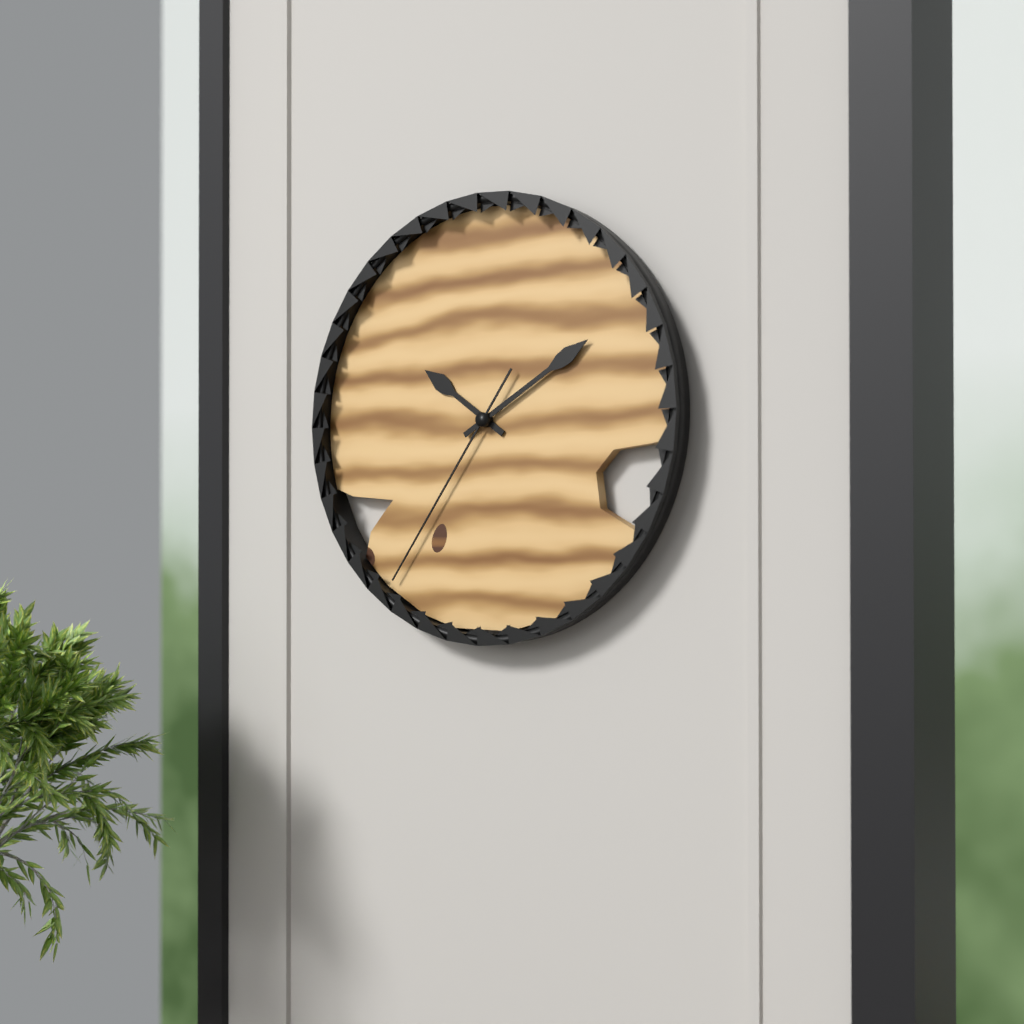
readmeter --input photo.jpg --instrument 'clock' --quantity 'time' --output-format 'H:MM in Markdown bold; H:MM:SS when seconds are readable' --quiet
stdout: **10:10:36**
